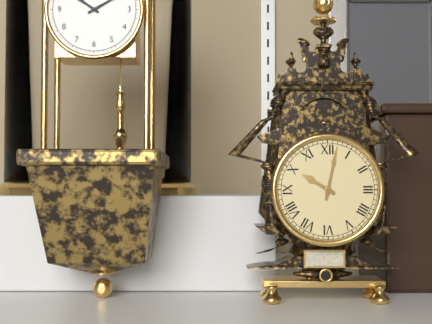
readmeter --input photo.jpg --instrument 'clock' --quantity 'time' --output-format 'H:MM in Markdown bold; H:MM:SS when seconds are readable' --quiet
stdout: **10:02**
